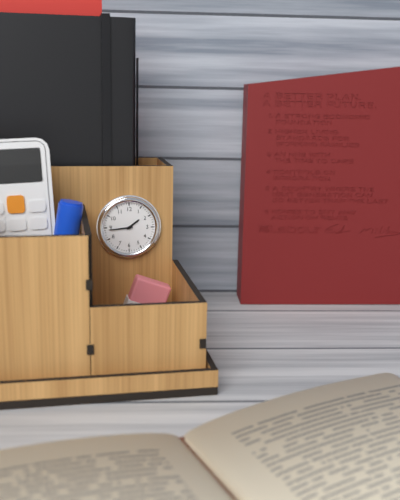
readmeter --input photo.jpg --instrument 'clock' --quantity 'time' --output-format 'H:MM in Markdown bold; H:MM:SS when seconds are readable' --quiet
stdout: **1:44**
